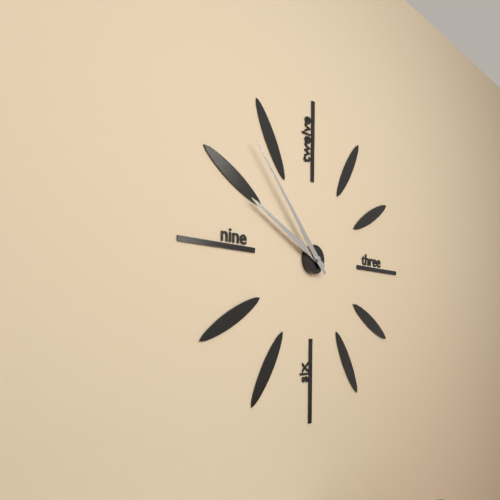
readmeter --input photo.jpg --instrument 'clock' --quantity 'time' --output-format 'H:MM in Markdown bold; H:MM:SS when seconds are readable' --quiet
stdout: **9:53**
